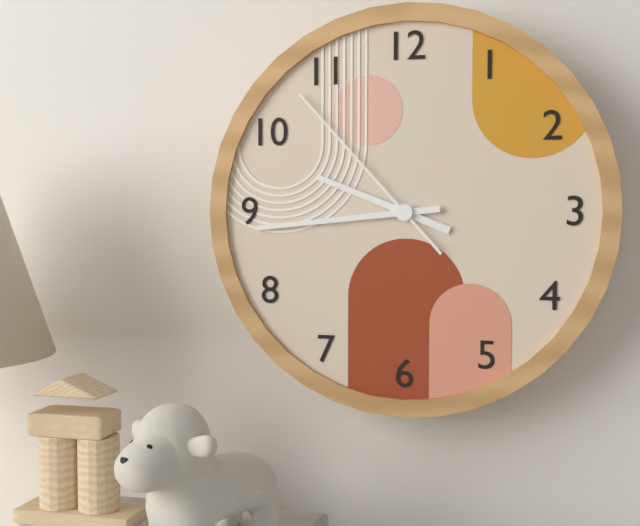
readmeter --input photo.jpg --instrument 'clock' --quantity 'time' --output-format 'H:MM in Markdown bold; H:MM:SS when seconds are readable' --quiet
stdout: **9:44:53**
